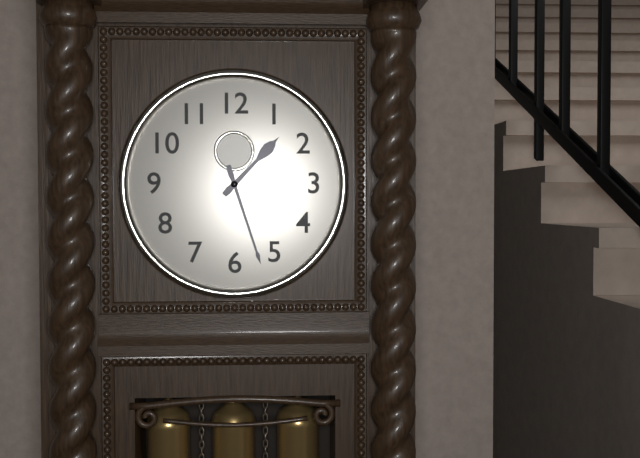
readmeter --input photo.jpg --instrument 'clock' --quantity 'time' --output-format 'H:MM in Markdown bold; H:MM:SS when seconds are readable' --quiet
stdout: **1:27**
